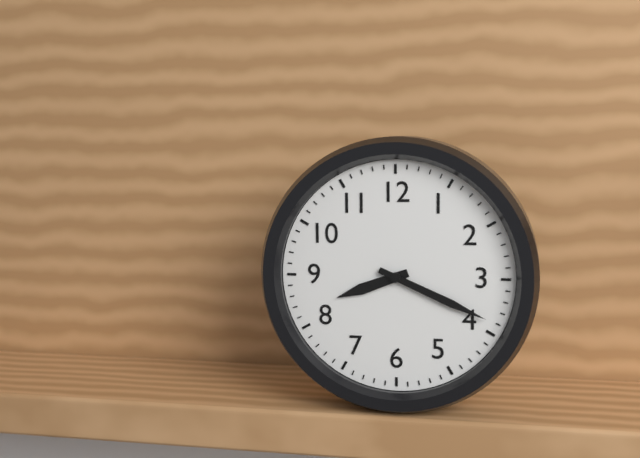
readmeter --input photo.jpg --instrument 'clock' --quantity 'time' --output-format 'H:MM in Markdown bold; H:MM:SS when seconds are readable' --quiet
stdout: **8:19**
